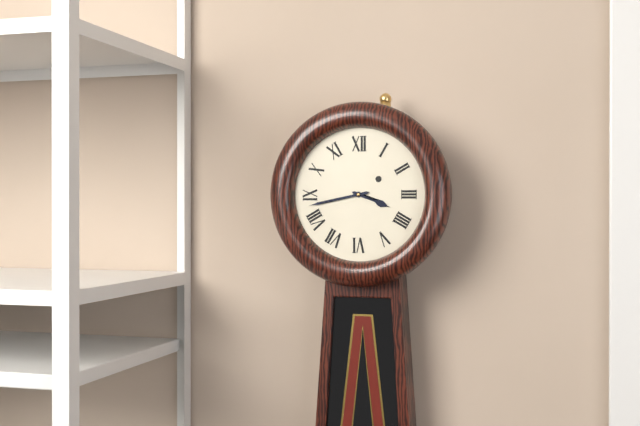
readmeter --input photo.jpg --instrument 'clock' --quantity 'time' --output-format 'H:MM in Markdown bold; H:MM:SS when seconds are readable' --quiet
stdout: **3:43**
